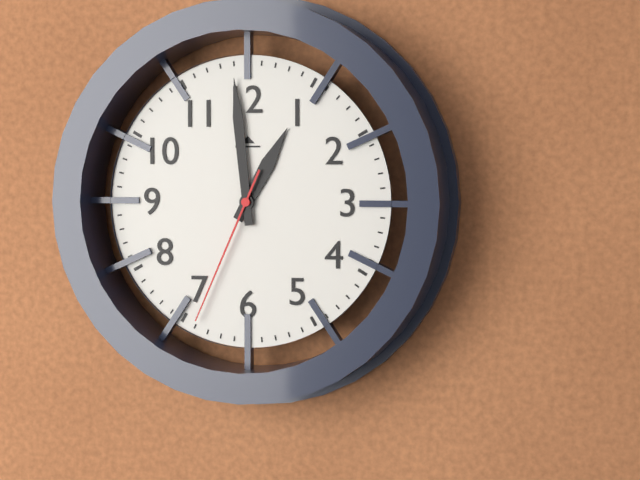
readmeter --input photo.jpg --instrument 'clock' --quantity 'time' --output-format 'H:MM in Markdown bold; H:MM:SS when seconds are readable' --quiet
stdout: **12:59:34**
